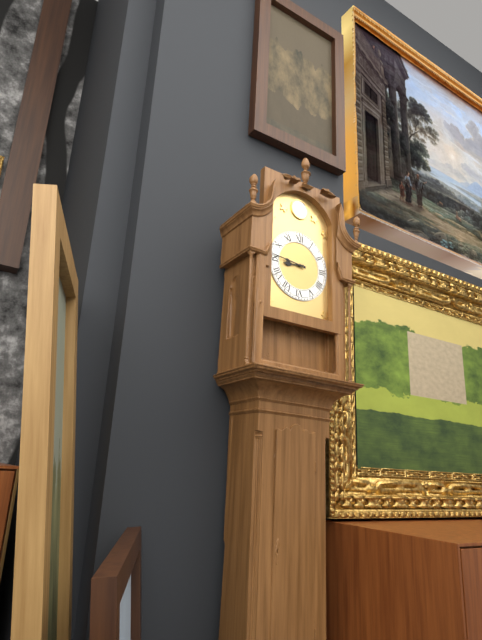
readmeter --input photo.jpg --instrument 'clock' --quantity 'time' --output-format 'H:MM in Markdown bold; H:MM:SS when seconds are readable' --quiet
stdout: **8:46**
